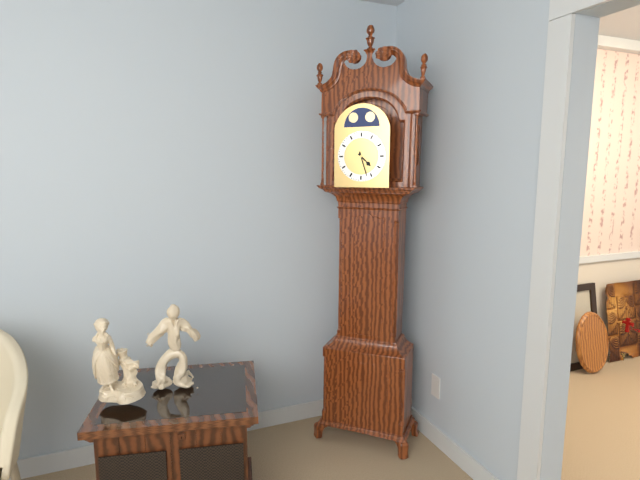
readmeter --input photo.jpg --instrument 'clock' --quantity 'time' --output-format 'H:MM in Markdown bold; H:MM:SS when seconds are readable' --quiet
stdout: **4:27**
